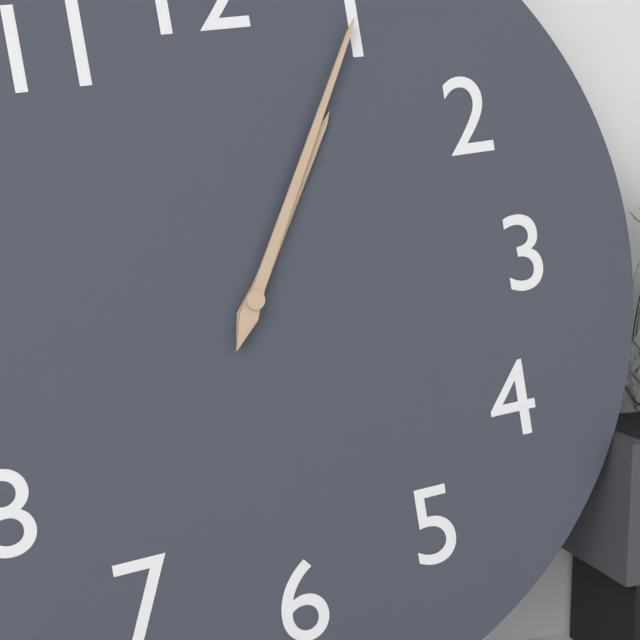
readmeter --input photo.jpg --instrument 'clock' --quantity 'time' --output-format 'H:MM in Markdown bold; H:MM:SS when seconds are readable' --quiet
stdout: **1:05**
